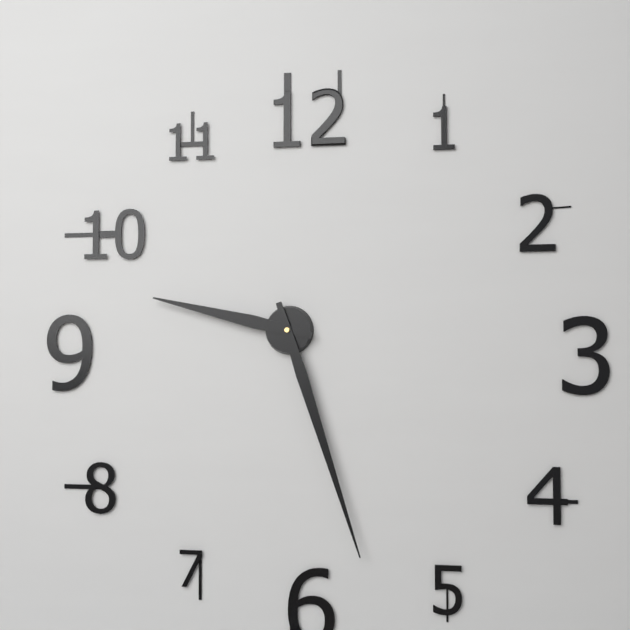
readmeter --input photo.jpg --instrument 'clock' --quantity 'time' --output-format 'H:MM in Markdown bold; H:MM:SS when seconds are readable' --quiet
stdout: **9:27**
